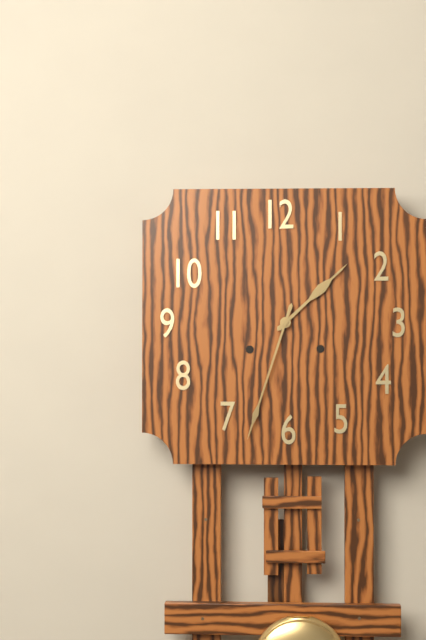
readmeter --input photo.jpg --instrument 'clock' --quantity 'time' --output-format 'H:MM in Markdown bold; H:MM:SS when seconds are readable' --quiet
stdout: **1:33**
